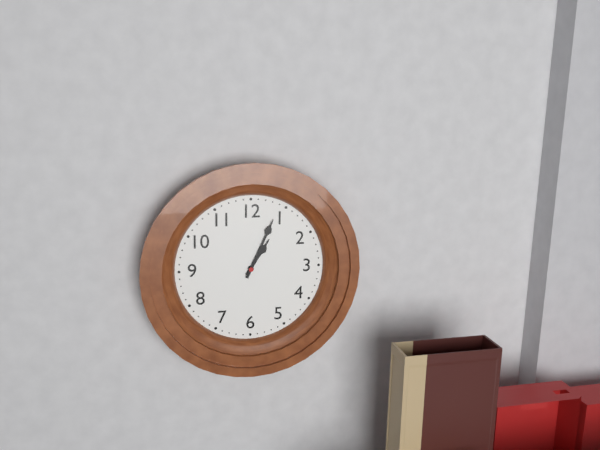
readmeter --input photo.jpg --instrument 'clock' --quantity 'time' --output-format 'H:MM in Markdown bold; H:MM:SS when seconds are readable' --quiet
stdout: **1:04**
